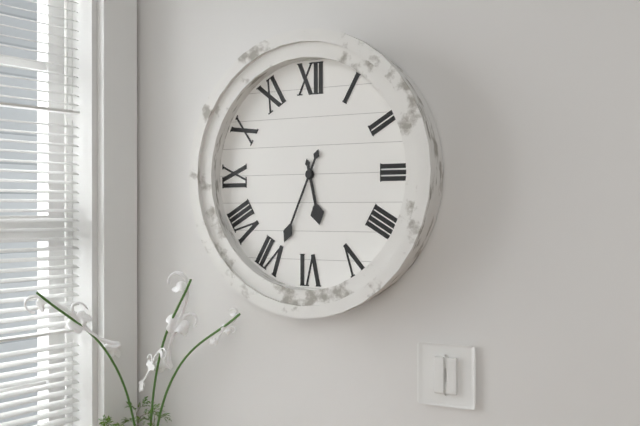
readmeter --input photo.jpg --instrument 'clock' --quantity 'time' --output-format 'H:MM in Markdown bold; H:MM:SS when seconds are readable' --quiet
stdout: **5:34**
